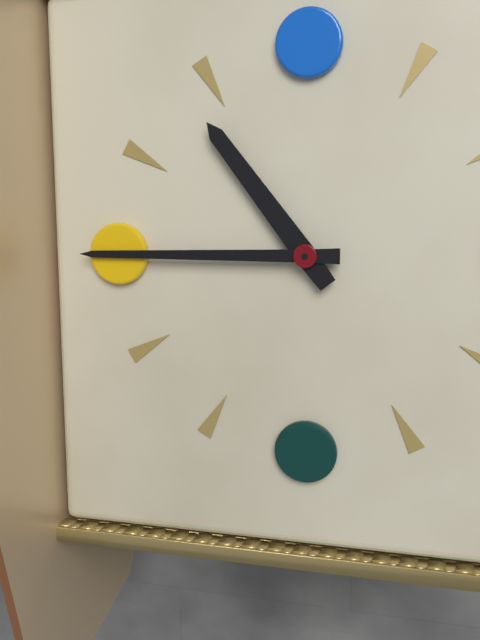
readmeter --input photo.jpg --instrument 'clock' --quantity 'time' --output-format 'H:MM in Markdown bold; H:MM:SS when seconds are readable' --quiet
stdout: **10:45**
